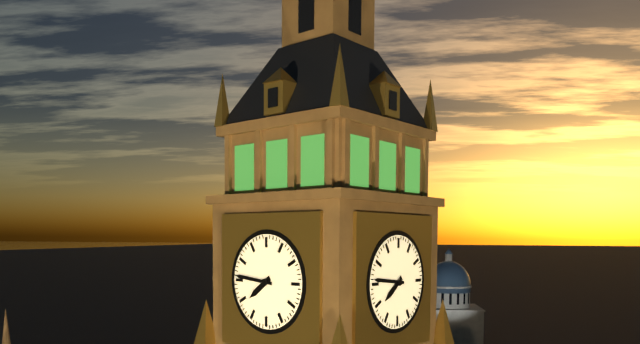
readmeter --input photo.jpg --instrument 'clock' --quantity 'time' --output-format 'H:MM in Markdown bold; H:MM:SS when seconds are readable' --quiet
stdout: **7:46**
